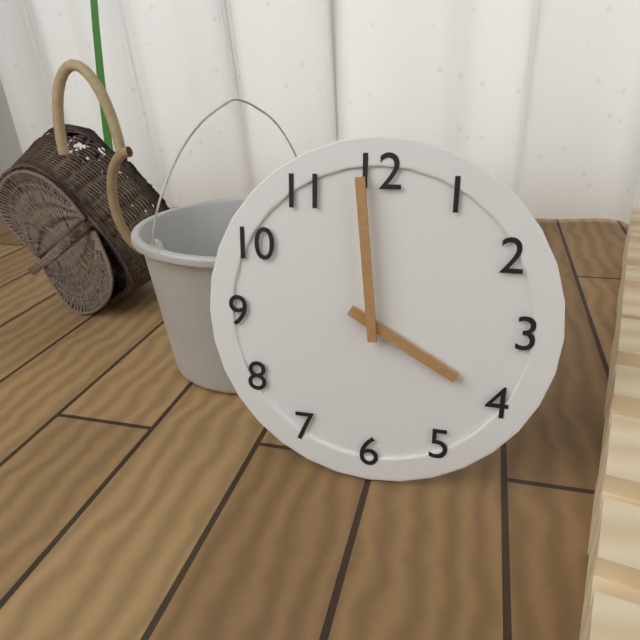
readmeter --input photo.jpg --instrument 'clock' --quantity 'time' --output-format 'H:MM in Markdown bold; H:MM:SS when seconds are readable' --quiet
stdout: **3:59**
